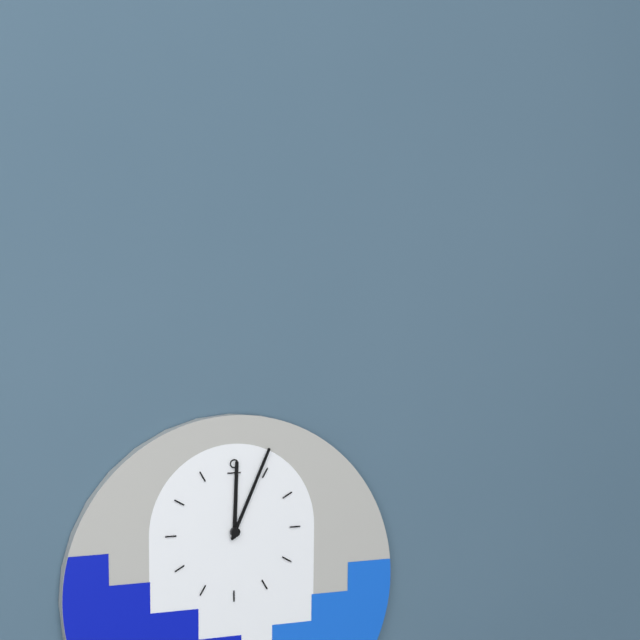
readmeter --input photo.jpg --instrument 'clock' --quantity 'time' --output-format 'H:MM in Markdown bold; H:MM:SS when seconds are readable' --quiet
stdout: **12:04**
